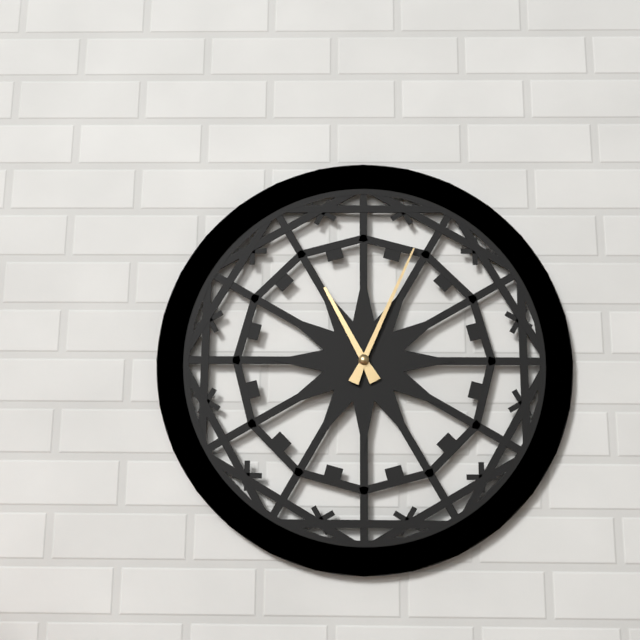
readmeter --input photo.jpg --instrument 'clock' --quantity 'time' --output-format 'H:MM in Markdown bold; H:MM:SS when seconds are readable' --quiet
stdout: **11:04**
